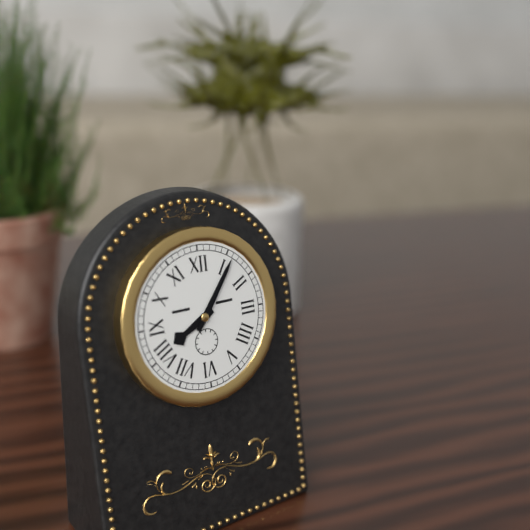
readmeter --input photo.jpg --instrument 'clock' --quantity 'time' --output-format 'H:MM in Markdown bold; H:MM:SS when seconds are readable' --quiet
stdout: **8:06**
